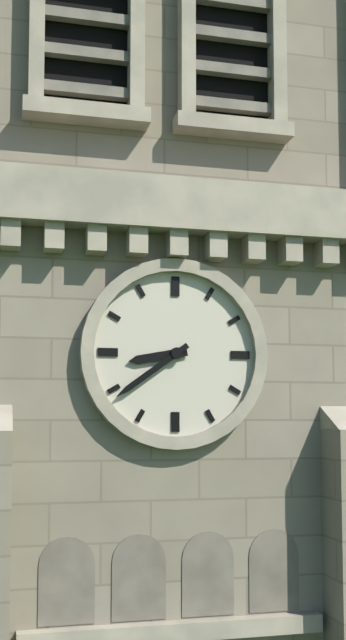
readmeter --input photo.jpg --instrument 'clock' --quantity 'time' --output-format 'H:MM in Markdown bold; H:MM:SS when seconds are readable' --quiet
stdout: **8:39**
